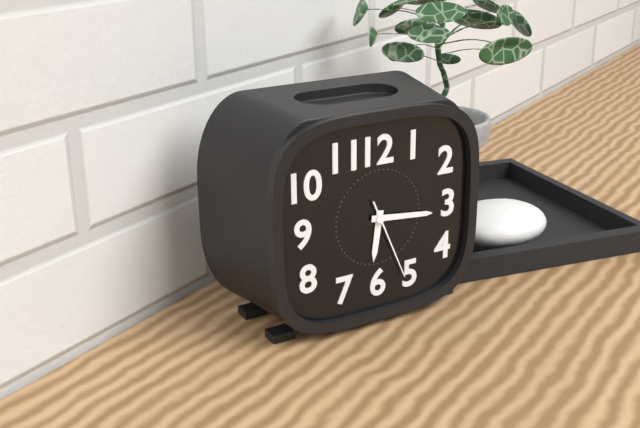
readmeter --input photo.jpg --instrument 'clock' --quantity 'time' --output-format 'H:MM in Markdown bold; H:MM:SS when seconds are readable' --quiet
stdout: **6:16:26**
